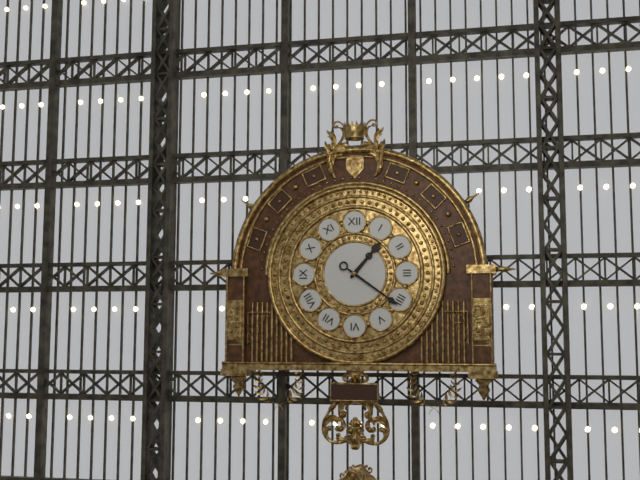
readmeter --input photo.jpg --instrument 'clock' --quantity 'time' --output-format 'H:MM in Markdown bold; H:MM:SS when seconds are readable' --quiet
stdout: **1:21**
